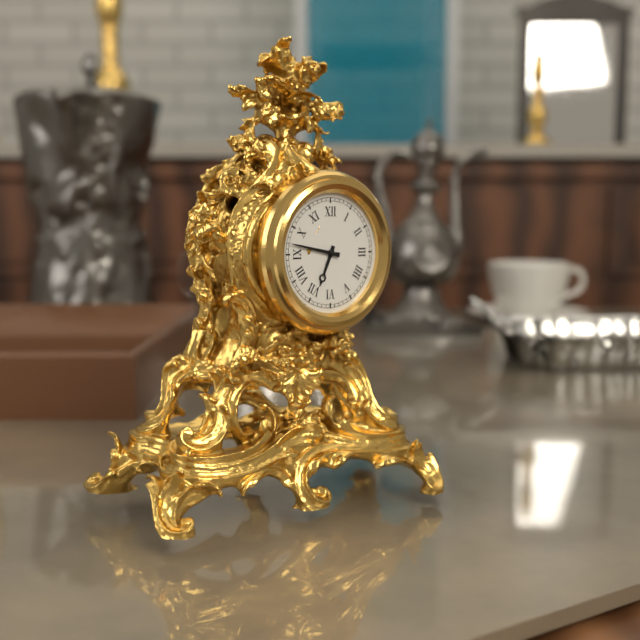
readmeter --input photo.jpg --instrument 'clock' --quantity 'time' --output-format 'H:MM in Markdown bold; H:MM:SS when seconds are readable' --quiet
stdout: **6:47**
